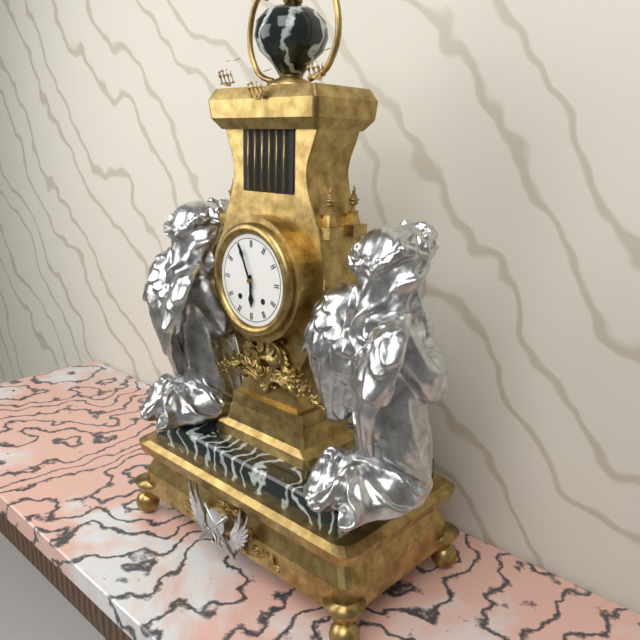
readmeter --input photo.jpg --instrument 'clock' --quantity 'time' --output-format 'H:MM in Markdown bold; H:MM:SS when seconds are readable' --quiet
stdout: **5:56**
